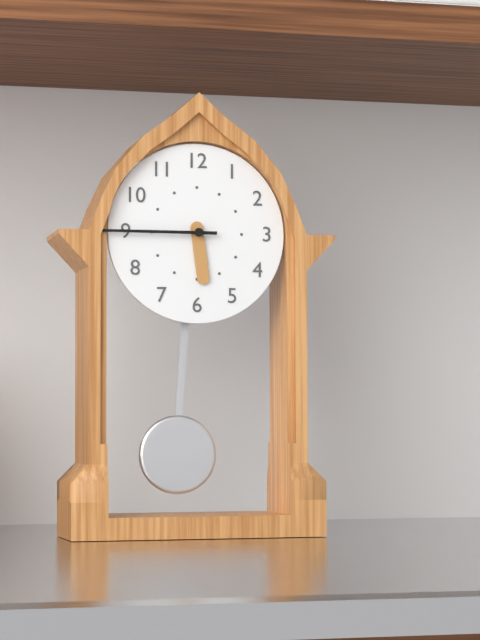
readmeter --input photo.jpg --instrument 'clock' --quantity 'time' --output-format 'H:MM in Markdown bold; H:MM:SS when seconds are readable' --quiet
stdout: **5:45**
